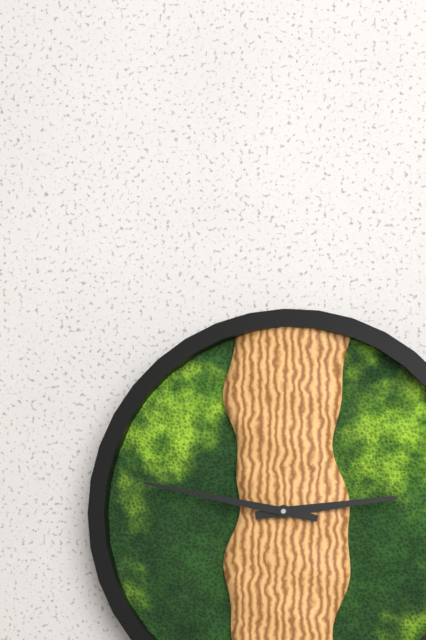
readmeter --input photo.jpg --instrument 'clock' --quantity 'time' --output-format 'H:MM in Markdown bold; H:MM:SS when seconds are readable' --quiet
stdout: **2:47**
